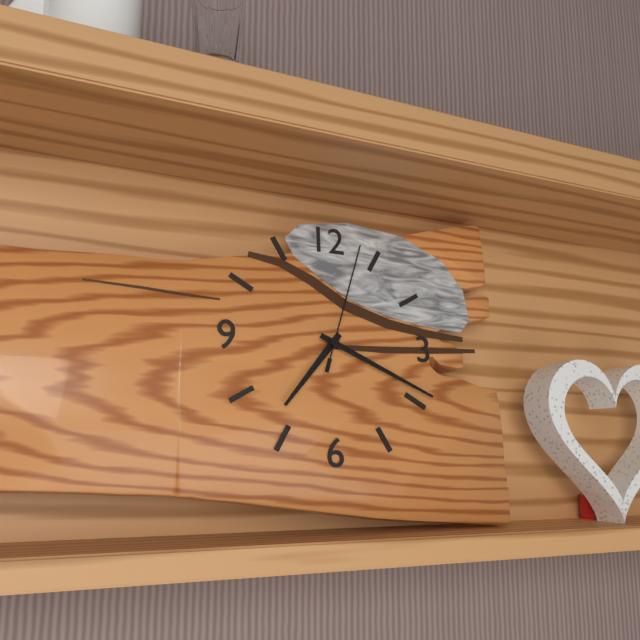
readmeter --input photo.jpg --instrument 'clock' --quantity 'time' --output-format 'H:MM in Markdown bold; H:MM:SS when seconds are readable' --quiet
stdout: **7:19:03**
